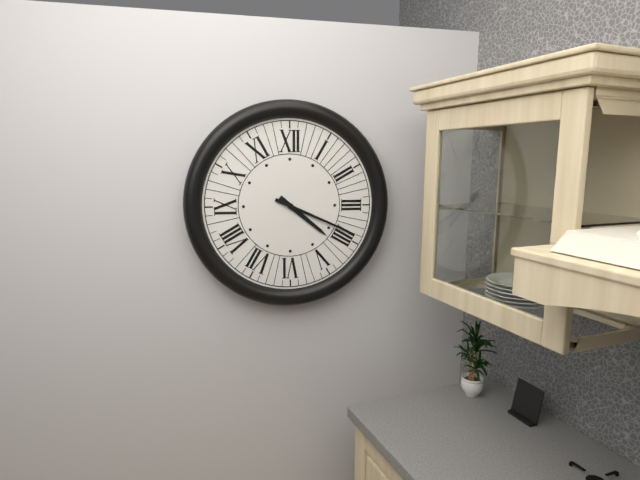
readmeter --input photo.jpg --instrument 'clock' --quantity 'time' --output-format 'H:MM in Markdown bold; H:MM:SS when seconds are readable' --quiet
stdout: **4:19**
